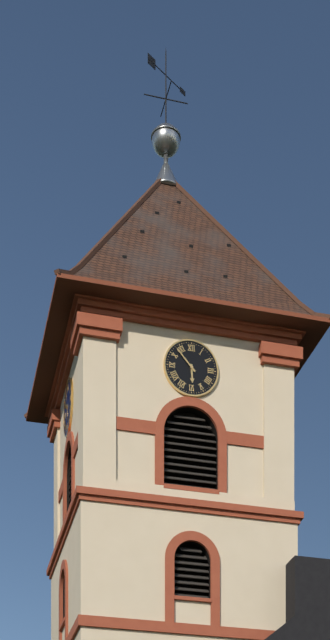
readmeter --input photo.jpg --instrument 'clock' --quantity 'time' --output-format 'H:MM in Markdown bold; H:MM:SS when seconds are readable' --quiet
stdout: **5:53**
